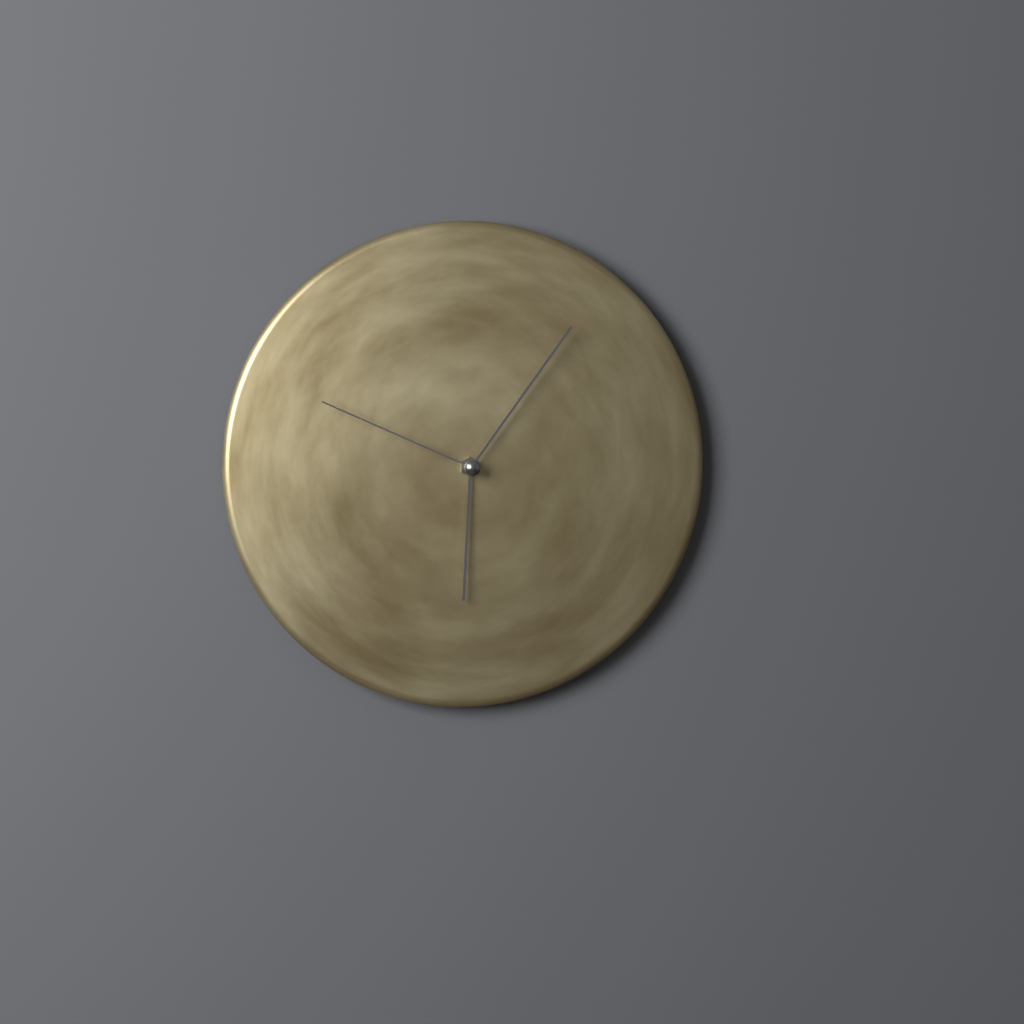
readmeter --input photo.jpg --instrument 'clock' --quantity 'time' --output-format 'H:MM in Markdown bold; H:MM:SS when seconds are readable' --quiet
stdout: **6:06:49**
